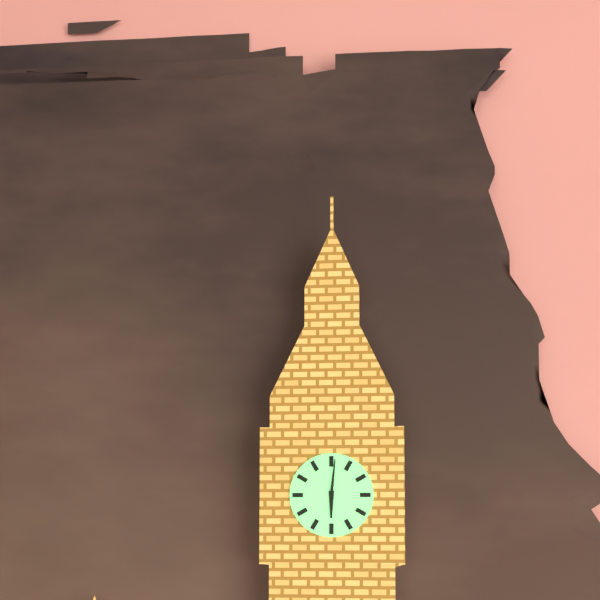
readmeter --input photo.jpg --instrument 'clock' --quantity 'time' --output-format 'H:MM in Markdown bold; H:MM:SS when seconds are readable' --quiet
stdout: **6:01**
